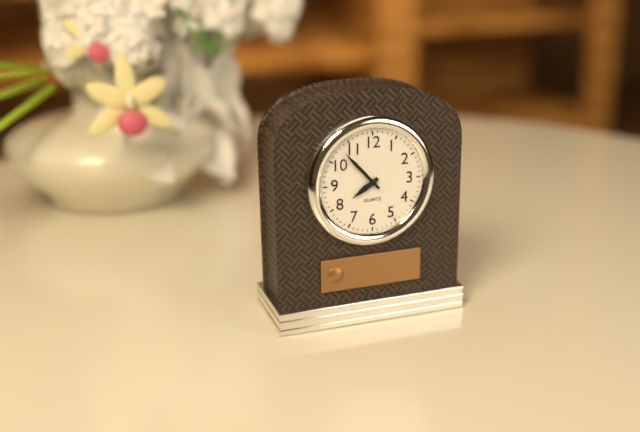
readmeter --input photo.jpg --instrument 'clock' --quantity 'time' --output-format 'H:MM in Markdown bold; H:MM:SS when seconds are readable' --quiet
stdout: **7:53**
